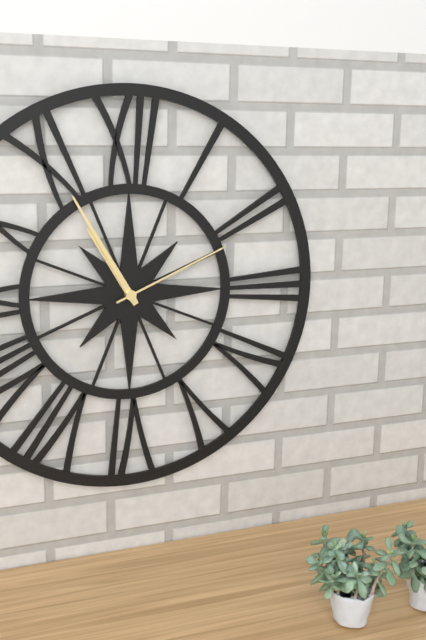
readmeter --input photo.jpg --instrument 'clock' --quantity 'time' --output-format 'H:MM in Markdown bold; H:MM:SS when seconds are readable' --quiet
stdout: **10:55:11**
